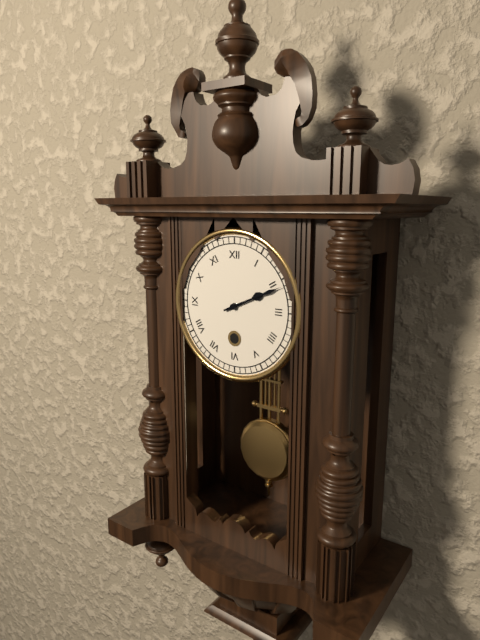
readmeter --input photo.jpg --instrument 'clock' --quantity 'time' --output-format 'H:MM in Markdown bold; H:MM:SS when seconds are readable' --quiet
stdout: **2:11**
